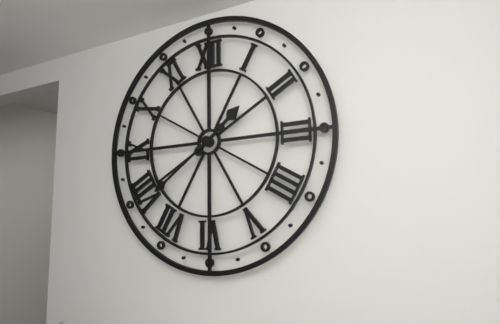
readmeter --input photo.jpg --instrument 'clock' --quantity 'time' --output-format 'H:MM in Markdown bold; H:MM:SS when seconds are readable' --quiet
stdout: **1:39**
